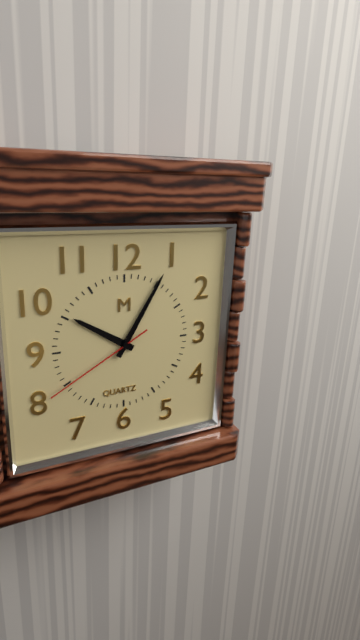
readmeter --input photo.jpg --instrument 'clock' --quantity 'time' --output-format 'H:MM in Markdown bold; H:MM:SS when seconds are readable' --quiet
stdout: **10:05:40**
